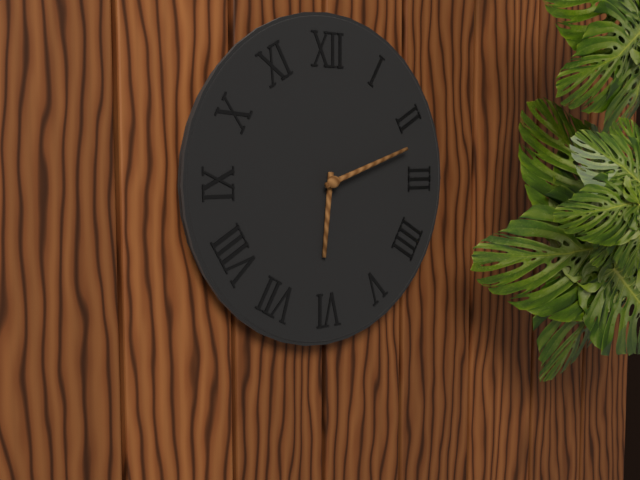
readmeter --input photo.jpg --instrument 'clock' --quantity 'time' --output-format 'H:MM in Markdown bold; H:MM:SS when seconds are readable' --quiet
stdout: **6:12**
